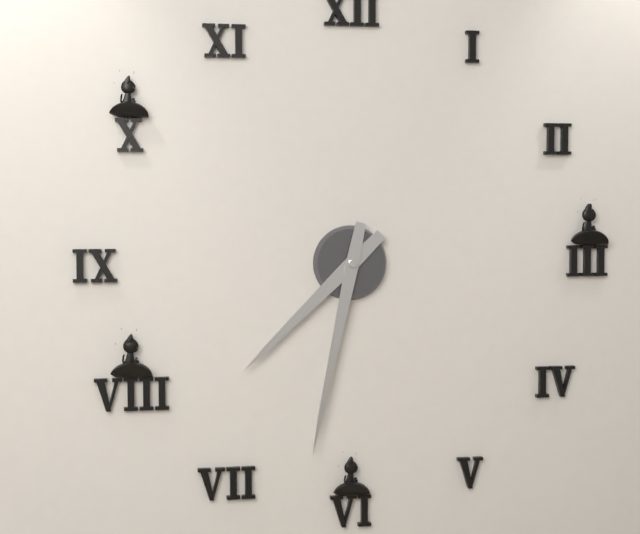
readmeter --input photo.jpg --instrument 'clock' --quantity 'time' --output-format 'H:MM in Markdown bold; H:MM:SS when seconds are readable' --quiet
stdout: **7:32**
